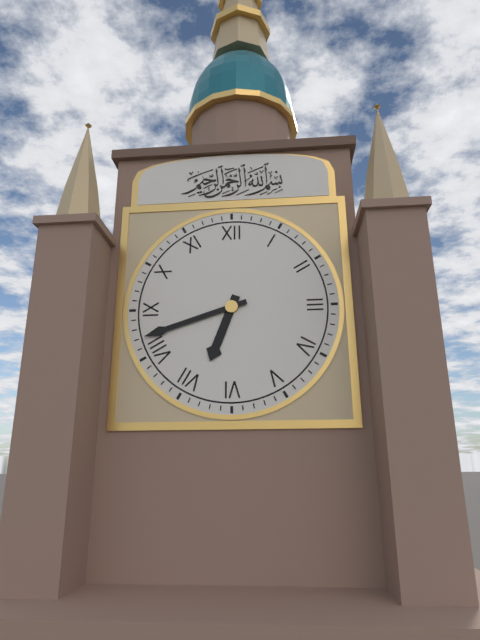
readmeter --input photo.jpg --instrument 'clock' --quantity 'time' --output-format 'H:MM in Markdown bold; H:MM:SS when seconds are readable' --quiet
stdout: **6:42**
